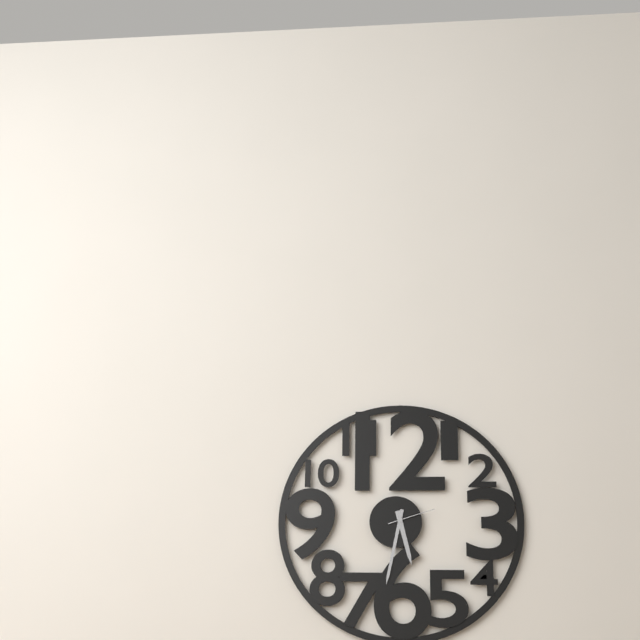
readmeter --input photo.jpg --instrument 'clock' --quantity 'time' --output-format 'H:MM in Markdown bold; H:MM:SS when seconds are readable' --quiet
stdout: **5:32**
